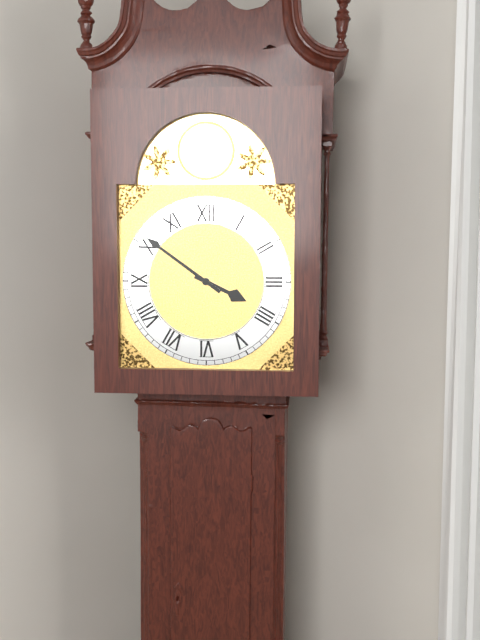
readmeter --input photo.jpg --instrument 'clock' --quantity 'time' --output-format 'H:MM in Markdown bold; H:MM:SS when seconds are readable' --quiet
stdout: **3:51**
